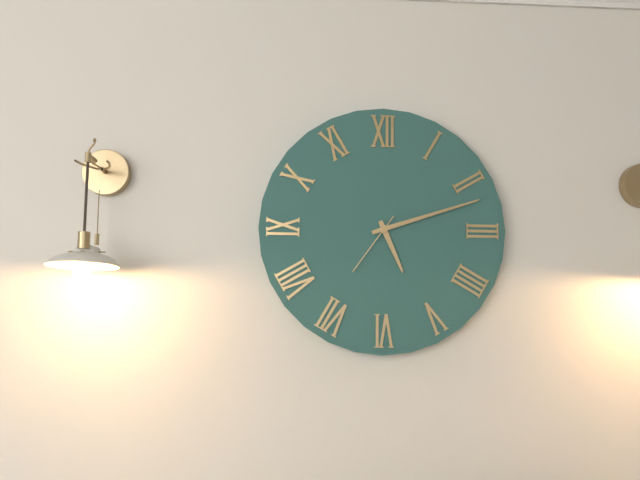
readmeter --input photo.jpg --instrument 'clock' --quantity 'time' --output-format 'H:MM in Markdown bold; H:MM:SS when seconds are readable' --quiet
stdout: **5:12:36**
